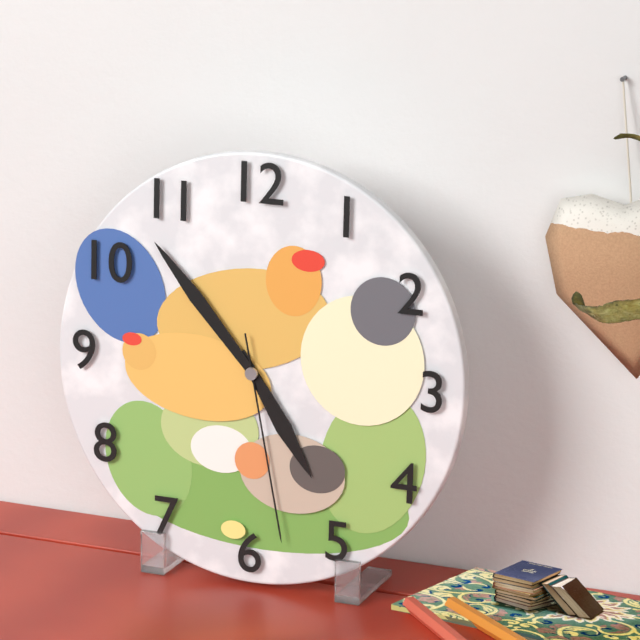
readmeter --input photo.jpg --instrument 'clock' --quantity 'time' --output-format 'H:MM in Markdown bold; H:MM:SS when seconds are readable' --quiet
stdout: **4:53:28**
